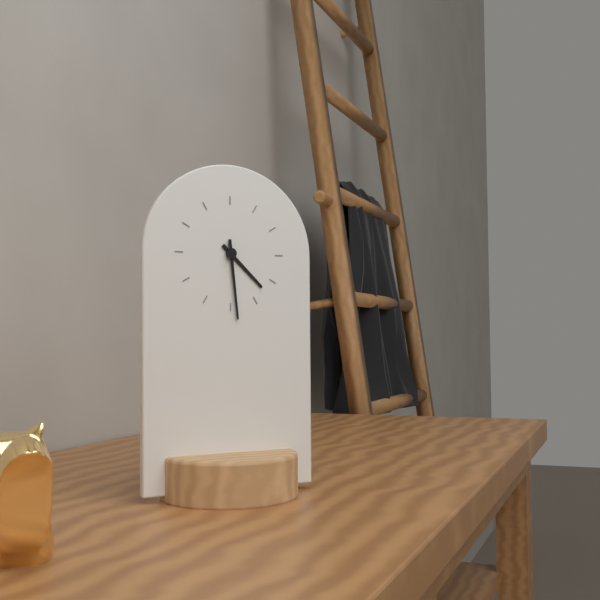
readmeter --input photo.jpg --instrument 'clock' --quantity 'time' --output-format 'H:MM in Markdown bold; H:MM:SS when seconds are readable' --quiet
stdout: **4:29**
